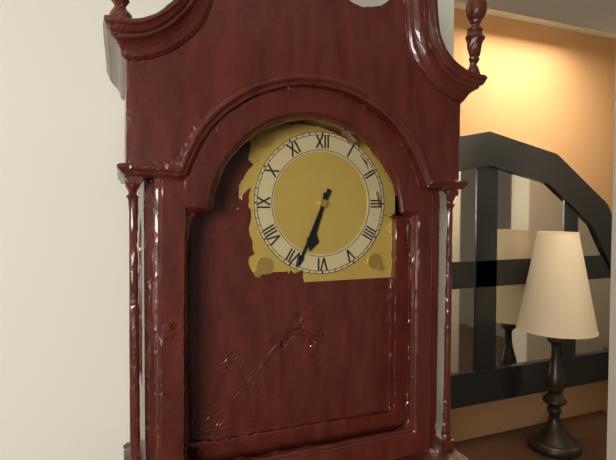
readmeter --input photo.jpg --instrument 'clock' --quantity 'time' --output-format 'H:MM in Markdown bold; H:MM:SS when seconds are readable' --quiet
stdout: **6:34**
